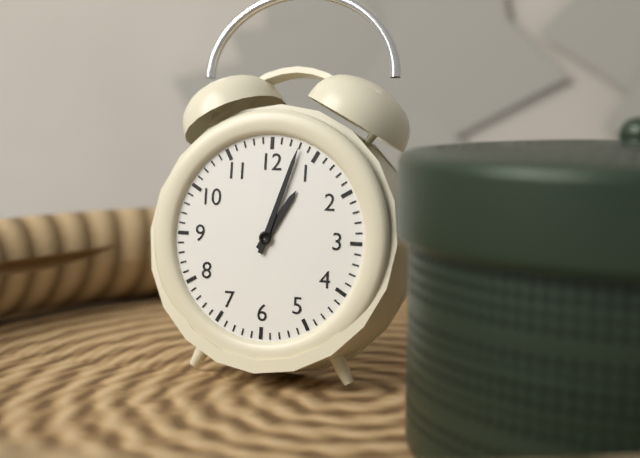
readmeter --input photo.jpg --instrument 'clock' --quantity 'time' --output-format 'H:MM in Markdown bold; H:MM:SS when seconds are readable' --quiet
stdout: **1:03**
